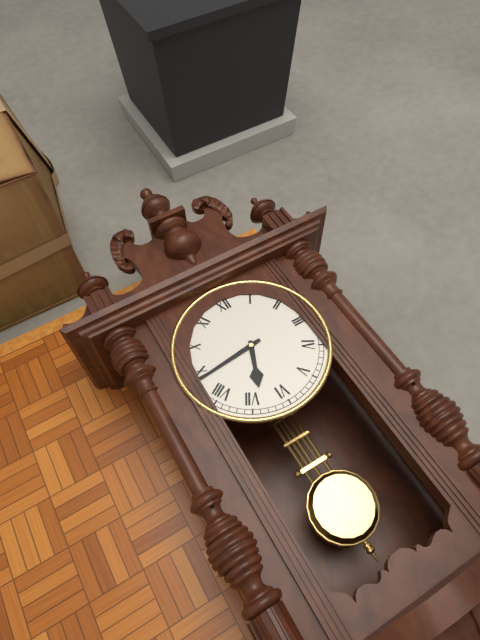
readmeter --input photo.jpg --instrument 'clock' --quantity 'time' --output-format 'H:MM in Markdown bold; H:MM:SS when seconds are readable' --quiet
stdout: **6:44**
